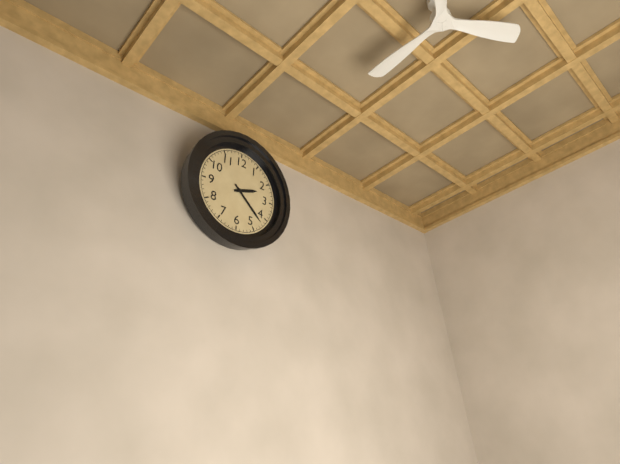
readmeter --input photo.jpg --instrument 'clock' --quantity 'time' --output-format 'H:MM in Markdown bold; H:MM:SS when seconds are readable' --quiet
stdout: **2:22**
